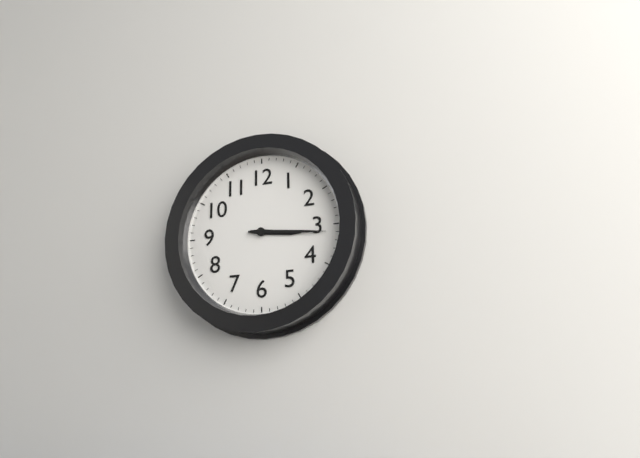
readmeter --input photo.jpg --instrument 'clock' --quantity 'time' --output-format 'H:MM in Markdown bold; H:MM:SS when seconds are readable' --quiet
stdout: **3:16**
